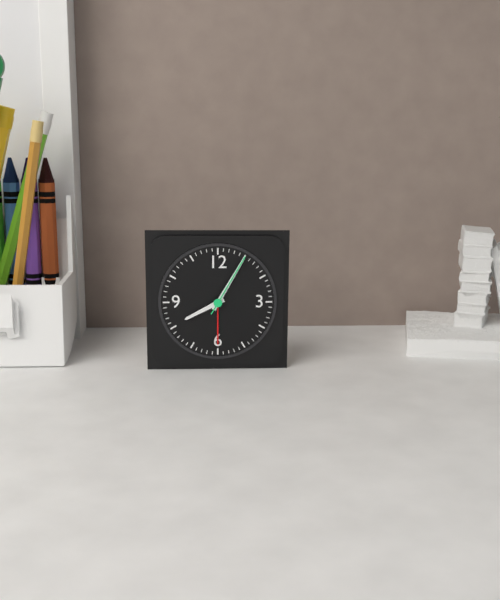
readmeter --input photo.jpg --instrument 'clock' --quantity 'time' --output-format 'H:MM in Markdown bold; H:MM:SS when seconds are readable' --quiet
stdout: **8:05:05**
